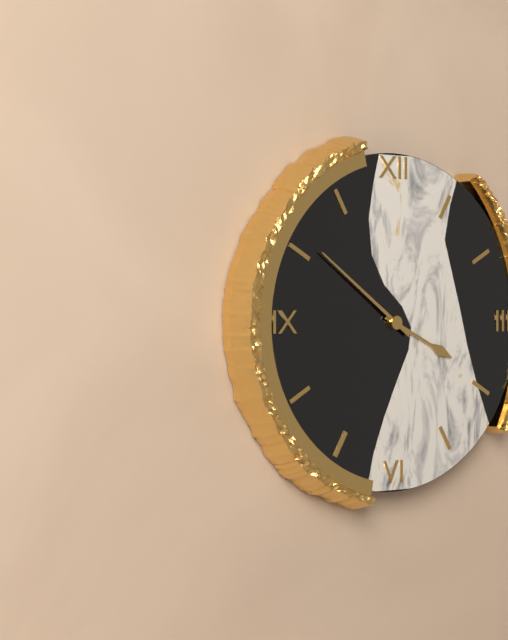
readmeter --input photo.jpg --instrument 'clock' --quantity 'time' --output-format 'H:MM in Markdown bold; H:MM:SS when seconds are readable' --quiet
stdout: **3:51**
